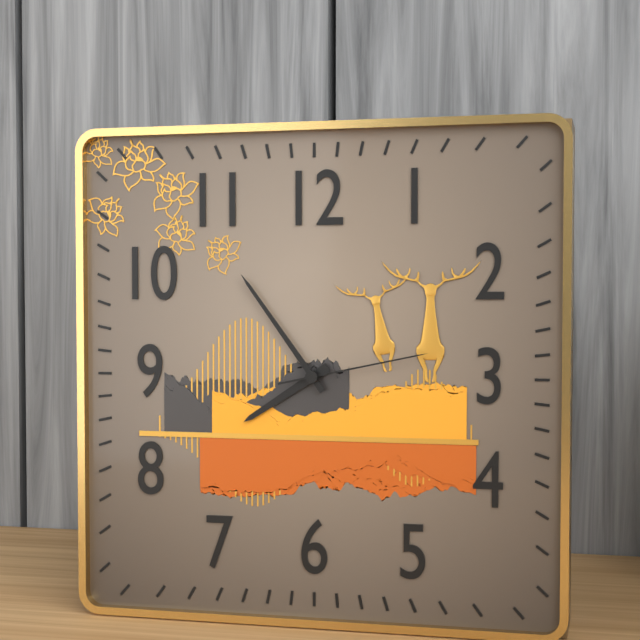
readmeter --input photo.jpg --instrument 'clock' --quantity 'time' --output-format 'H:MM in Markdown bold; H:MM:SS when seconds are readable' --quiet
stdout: **7:54:13**
